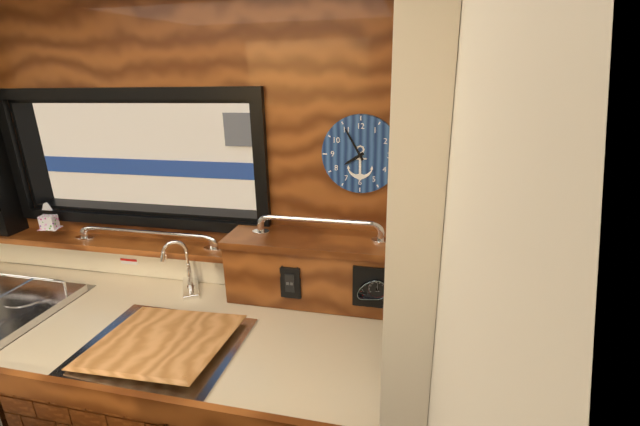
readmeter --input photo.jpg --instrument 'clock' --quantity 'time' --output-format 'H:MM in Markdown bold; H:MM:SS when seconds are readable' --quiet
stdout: **7:55**
